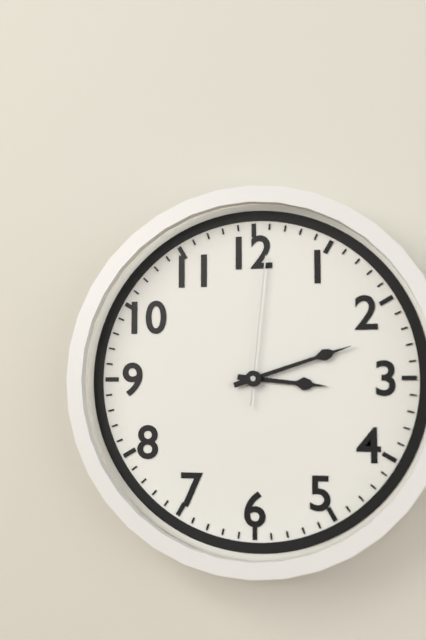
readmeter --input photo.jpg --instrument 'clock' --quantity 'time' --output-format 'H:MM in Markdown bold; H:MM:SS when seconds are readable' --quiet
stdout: **3:12:01**
